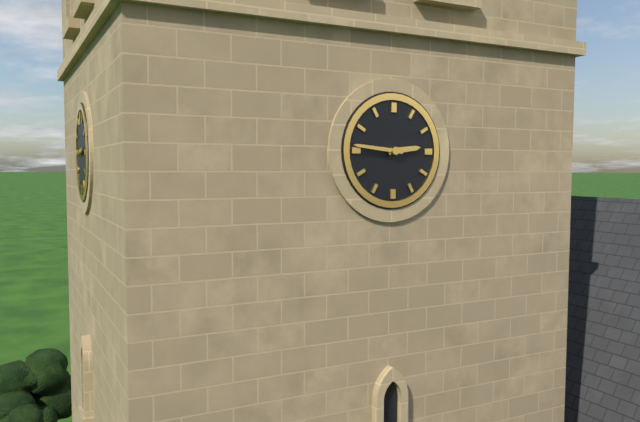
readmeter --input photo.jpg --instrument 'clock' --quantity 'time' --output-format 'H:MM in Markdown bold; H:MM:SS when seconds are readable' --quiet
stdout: **2:46**
